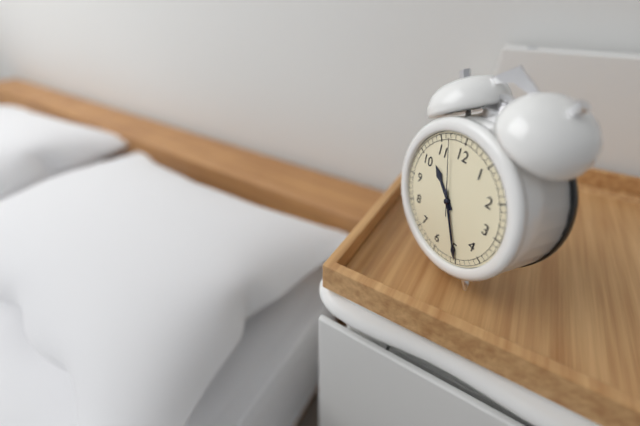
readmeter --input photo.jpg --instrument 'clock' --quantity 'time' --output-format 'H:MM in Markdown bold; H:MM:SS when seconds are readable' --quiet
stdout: **10:25:57**
